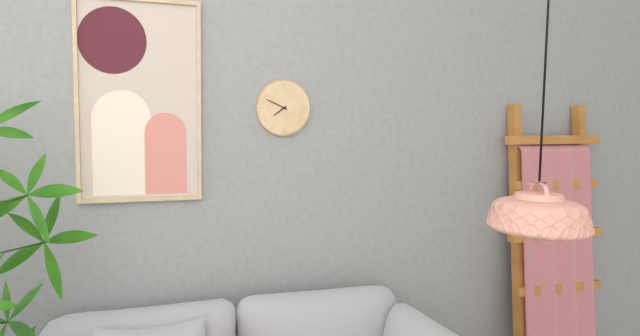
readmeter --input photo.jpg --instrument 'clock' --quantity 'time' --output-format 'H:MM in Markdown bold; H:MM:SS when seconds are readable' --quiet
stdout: **7:49**
